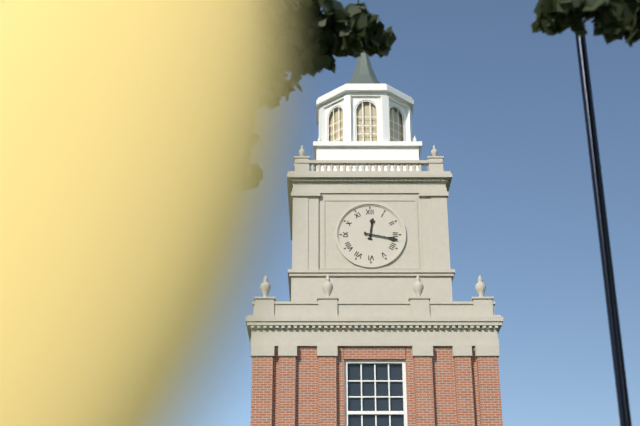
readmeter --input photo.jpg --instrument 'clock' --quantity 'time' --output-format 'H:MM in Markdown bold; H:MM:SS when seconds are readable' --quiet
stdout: **12:17**
